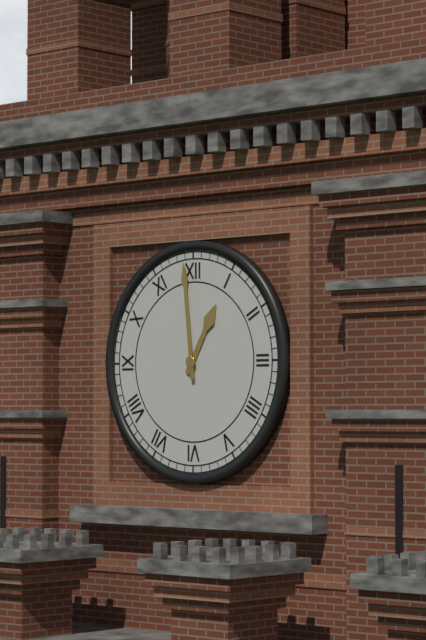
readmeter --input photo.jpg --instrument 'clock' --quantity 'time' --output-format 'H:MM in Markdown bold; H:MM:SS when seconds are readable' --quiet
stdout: **12:59**
